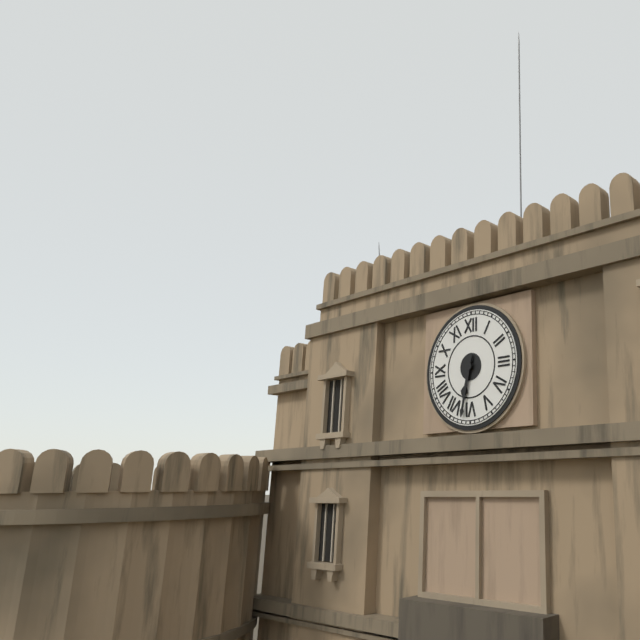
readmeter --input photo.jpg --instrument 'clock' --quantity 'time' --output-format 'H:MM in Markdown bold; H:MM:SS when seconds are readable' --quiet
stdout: **6:32**
